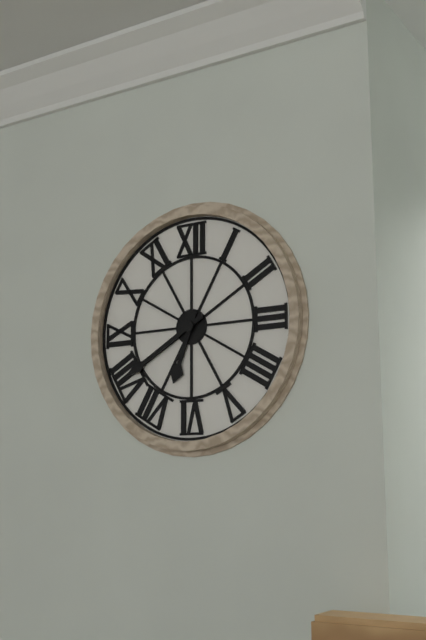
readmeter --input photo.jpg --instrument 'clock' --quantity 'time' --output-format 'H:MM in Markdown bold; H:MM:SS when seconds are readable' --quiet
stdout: **6:40**
